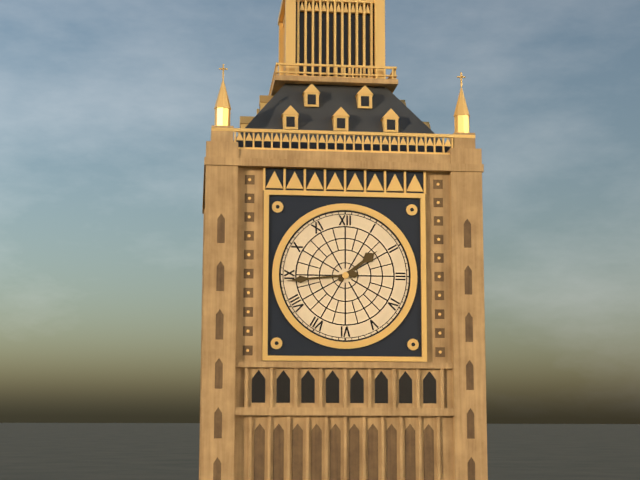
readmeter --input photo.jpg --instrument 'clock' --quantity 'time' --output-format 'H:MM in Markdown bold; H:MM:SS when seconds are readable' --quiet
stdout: **1:44**
